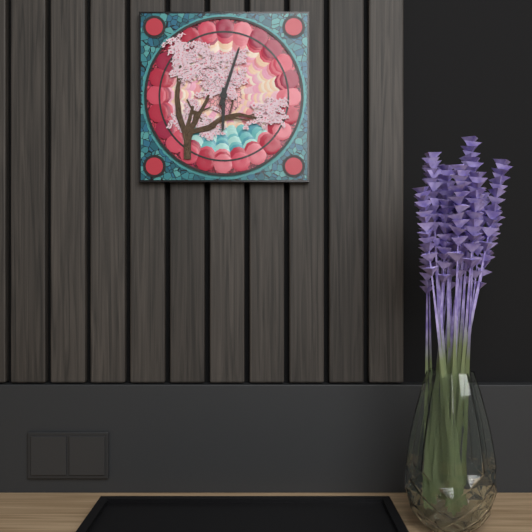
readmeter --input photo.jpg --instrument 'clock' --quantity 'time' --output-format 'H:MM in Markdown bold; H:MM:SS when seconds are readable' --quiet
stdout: **6:03**
